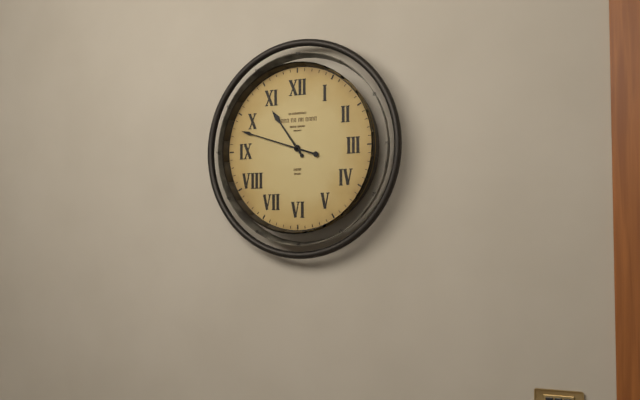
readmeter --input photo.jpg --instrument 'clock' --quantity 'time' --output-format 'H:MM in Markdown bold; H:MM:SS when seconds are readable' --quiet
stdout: **10:48**
